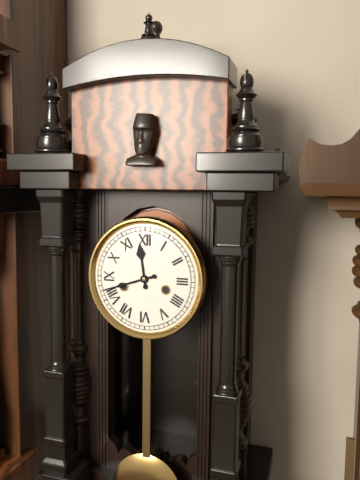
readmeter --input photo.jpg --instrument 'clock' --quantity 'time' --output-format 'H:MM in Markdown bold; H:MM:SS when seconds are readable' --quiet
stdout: **11:42**
